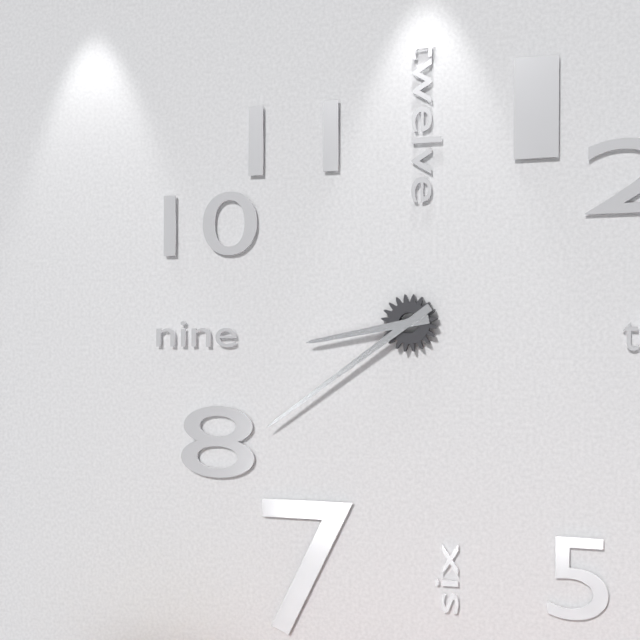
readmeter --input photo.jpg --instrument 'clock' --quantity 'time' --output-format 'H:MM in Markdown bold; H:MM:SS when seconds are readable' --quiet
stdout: **8:39**
